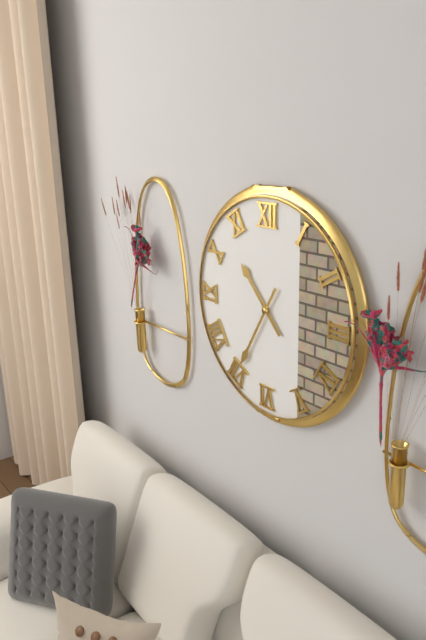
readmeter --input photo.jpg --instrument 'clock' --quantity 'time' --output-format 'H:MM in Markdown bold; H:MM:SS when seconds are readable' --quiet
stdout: **10:35**
